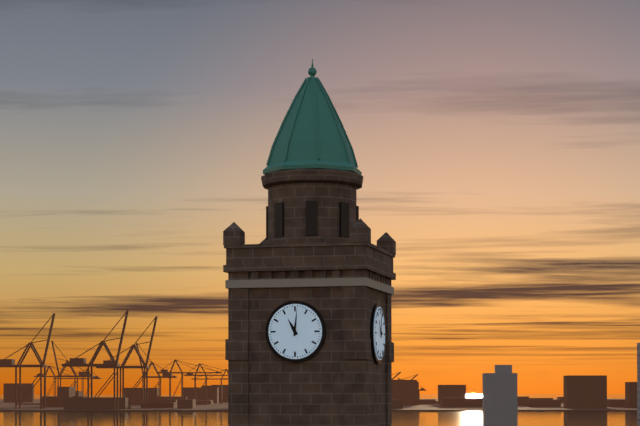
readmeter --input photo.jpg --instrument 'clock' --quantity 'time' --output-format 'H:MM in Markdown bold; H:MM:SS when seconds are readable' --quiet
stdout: **11:01**
